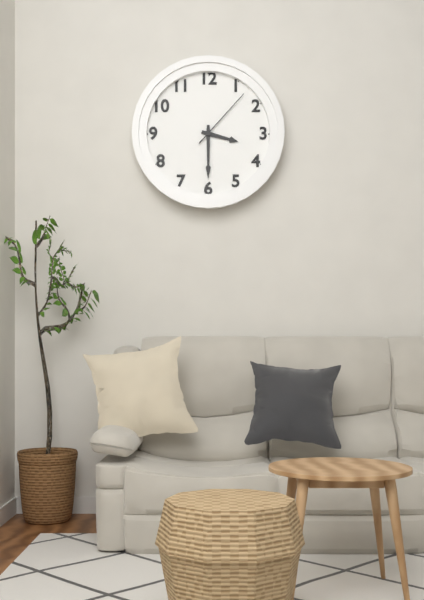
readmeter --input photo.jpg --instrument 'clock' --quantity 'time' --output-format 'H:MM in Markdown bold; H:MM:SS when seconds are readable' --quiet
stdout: **3:30:07**
